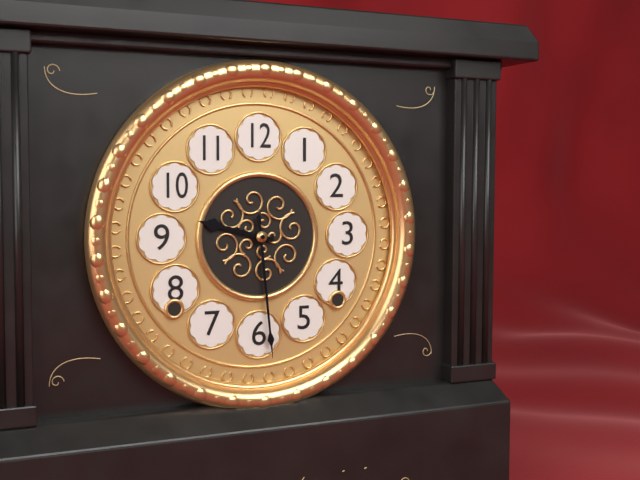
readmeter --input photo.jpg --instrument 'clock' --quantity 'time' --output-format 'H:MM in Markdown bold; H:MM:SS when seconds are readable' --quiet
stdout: **9:29**
